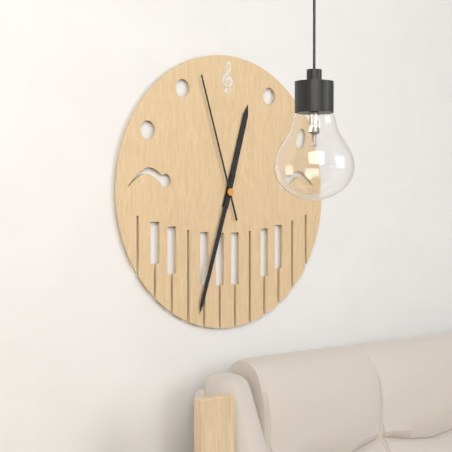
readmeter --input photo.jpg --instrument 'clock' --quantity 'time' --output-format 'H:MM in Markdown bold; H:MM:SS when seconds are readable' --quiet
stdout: **12:33:57**
